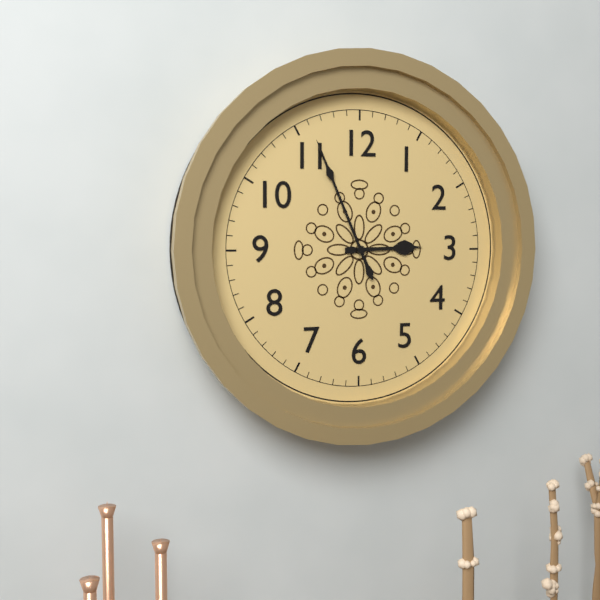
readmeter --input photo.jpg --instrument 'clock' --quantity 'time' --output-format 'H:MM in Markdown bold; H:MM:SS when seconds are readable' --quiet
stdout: **2:56**
